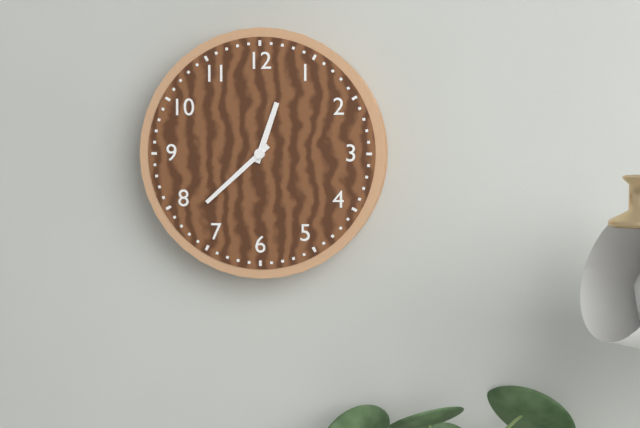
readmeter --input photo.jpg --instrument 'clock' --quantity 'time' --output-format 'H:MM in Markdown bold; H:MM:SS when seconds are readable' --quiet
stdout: **12:38**
